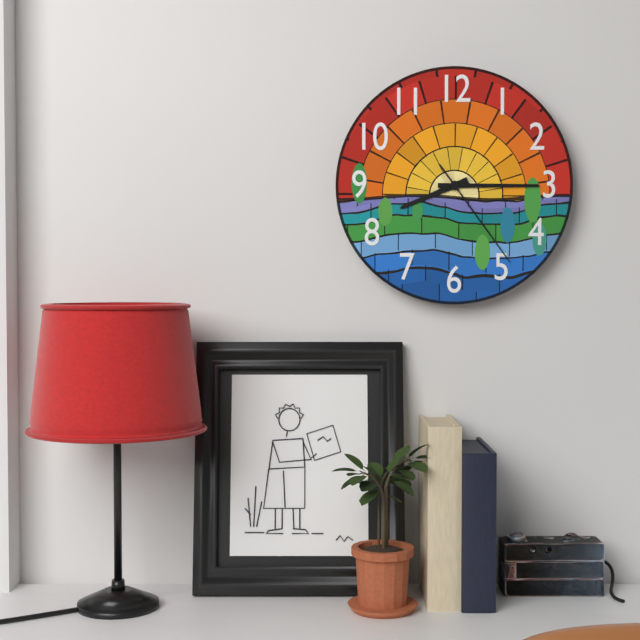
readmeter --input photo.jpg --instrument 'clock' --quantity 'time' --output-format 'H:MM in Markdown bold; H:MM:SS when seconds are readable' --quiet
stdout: **8:15:24**
